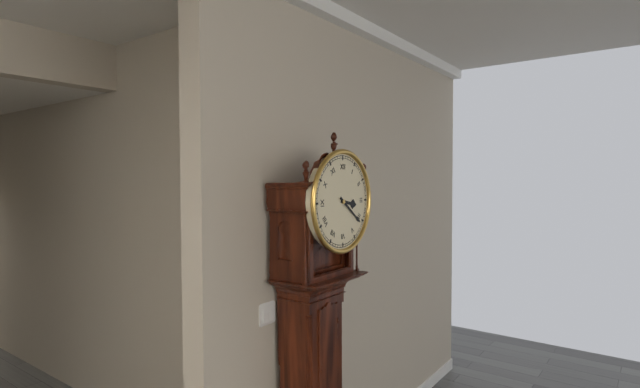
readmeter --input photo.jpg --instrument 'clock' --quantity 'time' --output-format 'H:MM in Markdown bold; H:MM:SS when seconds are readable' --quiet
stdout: **3:21**
